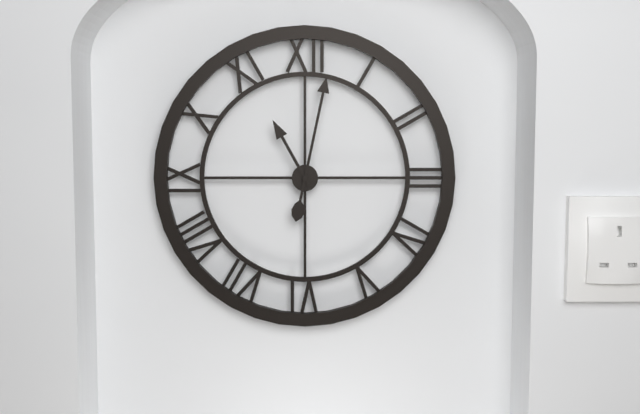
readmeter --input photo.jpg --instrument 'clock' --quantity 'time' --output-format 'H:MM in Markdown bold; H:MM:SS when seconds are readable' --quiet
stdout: **11:02**
